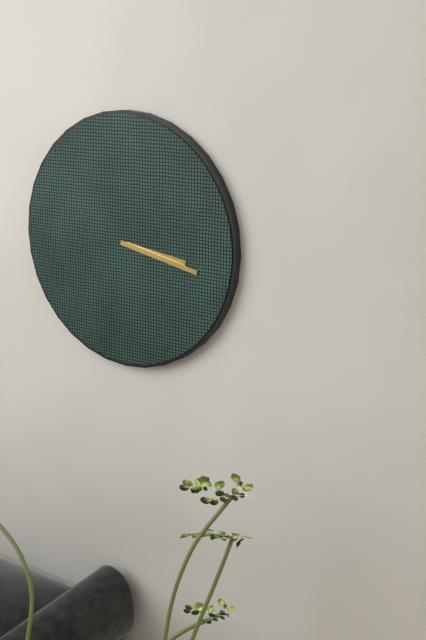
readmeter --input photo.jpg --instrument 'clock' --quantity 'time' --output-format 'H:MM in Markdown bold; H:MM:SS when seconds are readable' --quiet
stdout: **3:17**
